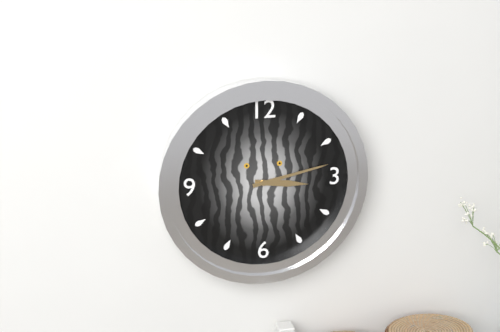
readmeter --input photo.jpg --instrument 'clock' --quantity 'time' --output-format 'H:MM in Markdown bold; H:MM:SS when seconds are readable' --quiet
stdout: **3:13**
